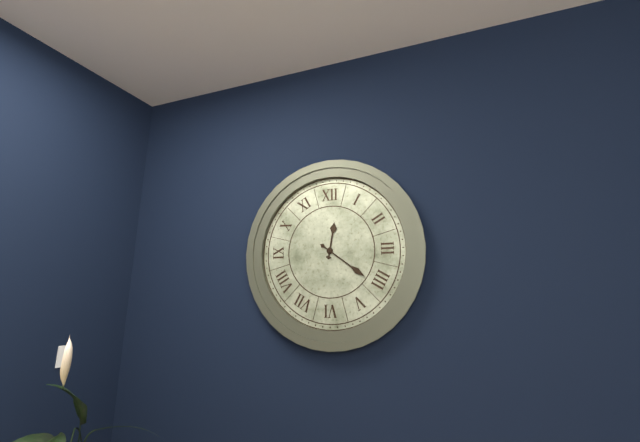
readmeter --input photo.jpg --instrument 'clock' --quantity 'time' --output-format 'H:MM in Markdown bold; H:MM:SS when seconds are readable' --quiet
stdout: **12:21**
